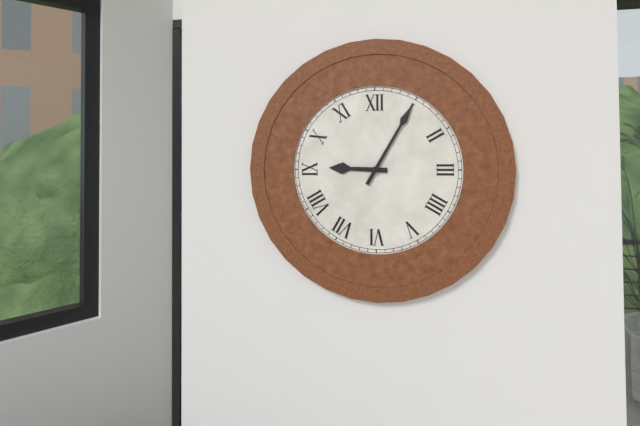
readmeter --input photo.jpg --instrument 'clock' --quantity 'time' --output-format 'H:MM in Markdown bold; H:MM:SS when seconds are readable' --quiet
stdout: **9:05**
